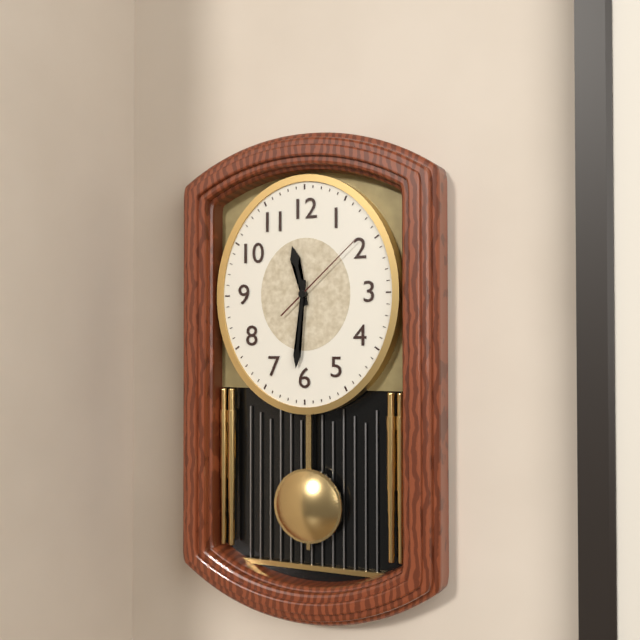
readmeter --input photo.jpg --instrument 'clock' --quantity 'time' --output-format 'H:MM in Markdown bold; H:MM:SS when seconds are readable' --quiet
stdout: **11:31:08**
